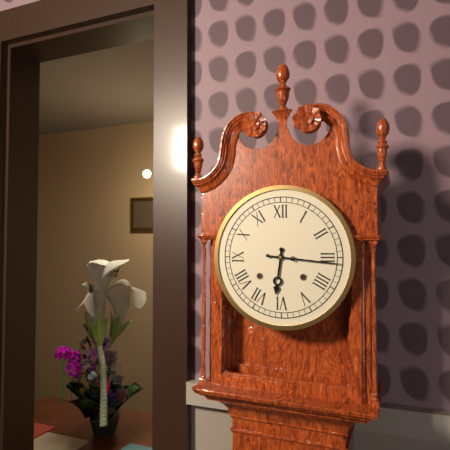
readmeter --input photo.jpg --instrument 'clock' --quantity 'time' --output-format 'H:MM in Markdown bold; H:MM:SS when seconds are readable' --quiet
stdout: **6:16**
